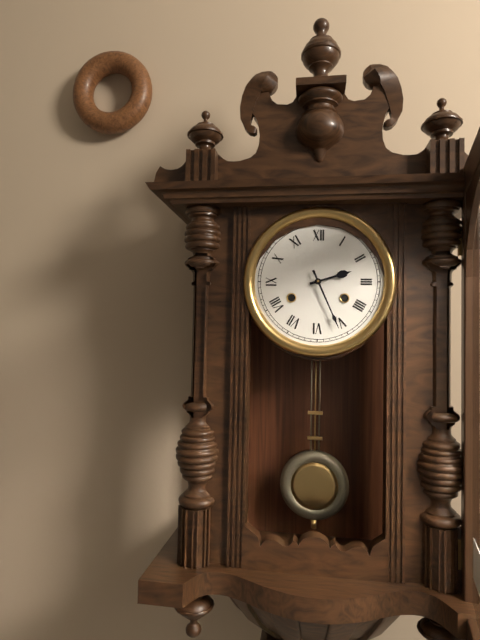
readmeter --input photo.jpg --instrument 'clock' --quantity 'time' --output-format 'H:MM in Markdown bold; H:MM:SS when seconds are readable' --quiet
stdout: **2:26**
